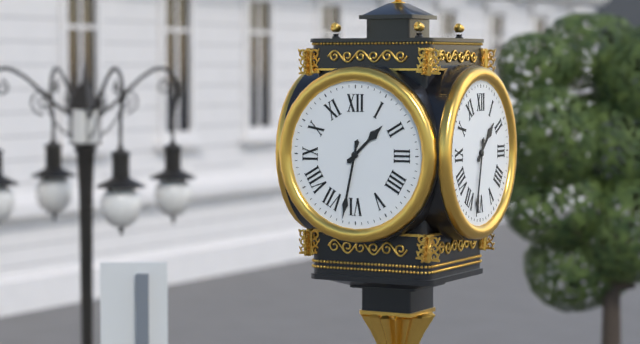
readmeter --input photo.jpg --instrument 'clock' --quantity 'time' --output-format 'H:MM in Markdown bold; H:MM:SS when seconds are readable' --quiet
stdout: **1:32**
